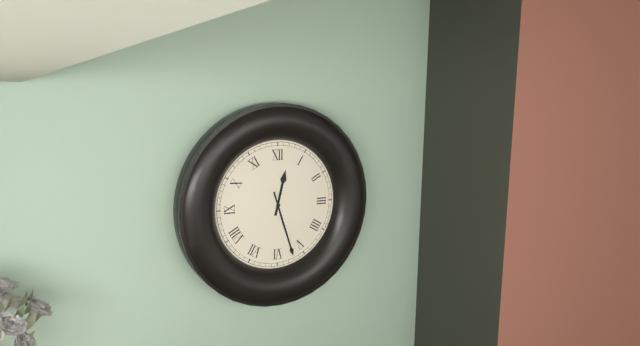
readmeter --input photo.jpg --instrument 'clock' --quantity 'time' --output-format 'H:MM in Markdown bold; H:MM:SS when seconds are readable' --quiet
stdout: **12:27**
